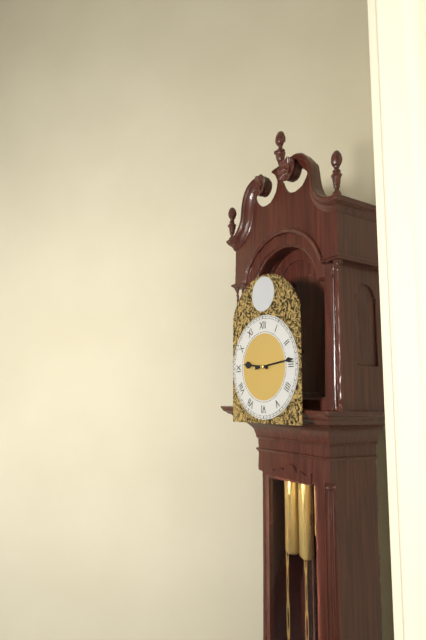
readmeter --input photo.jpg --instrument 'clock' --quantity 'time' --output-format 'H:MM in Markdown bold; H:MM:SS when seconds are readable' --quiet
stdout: **9:14**
